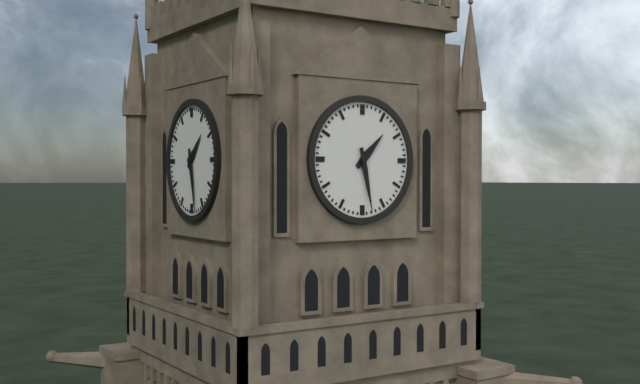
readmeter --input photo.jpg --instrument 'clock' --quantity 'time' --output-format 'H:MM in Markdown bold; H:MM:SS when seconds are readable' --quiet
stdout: **1:28**
